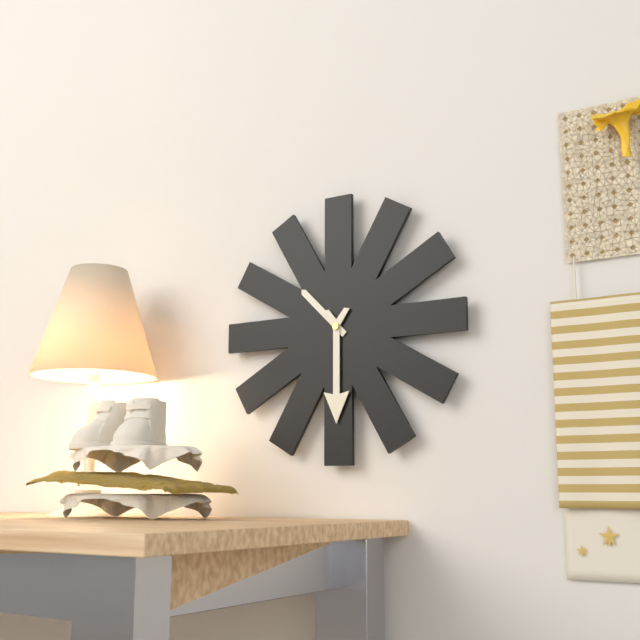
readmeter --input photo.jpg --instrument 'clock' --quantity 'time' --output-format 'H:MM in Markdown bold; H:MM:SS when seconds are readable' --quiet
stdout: **10:30**
